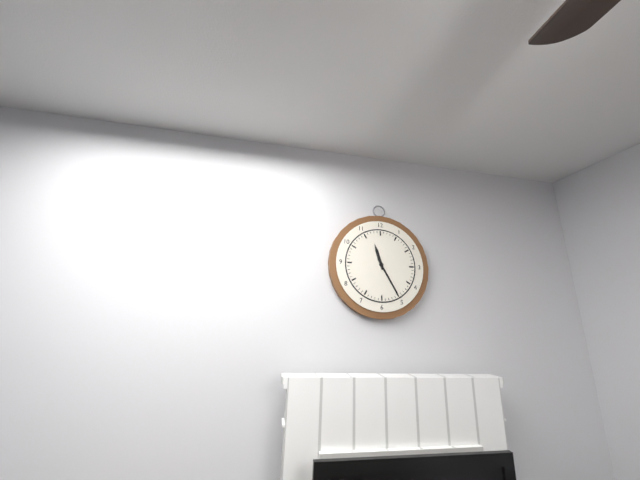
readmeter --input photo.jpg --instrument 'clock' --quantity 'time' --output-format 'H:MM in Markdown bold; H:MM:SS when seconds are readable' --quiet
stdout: **11:25**
